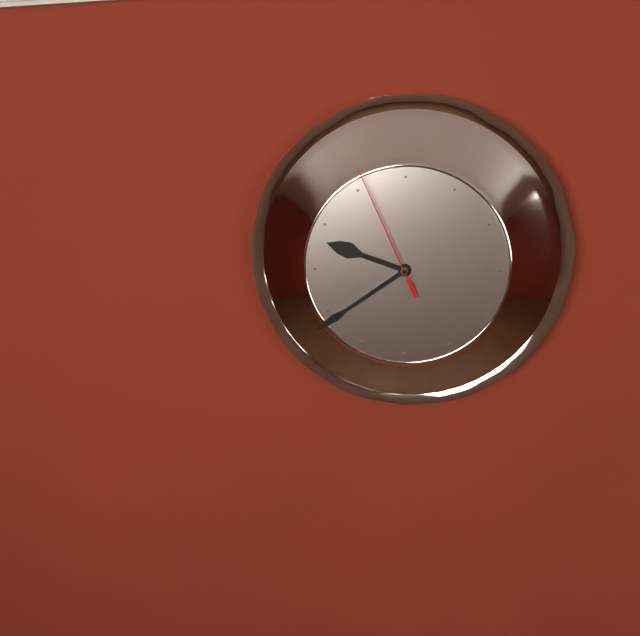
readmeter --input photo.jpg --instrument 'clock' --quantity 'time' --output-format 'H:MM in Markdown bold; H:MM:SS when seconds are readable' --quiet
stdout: **9:39:56**
